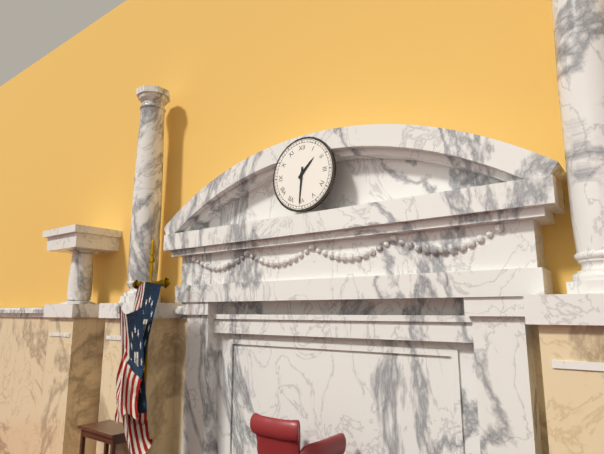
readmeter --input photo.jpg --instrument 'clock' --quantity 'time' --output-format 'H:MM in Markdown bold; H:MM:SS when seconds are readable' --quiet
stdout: **1:31**
